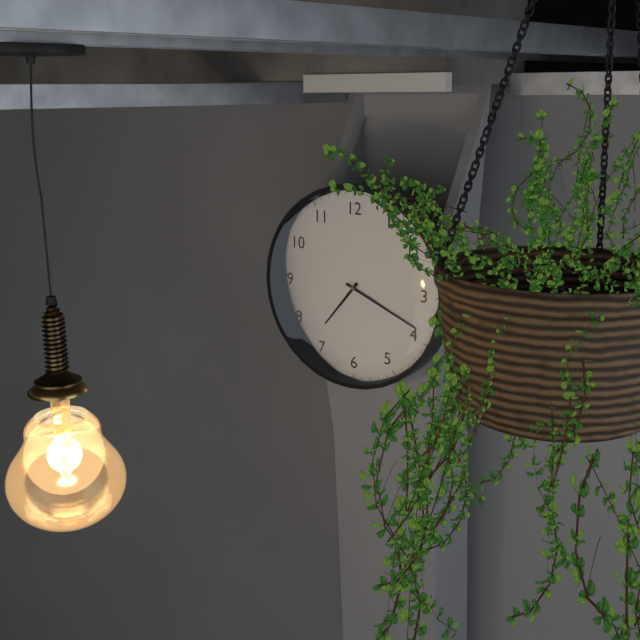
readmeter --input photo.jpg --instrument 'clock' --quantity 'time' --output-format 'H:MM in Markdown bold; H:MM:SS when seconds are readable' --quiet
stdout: **7:19**
